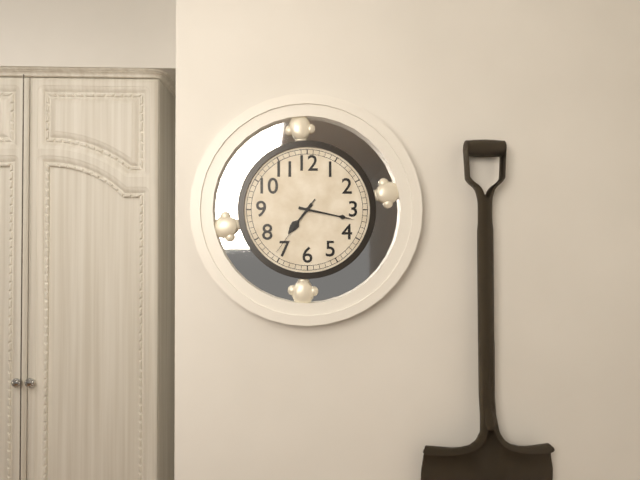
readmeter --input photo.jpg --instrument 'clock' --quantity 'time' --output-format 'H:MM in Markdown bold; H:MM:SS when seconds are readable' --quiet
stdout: **7:17:36**
